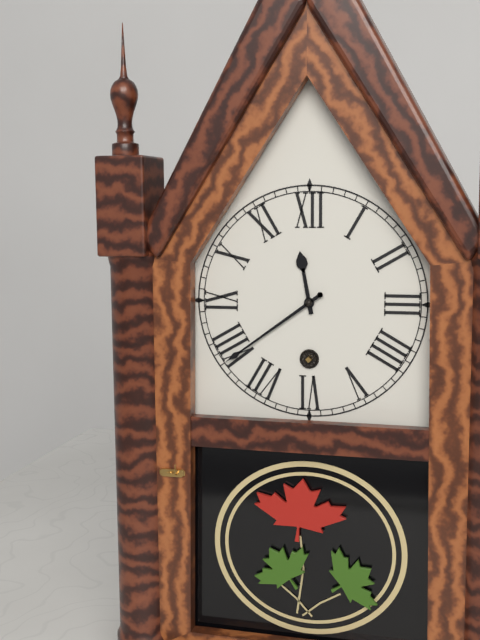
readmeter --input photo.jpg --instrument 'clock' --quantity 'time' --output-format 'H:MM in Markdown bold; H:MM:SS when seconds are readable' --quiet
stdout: **11:39**
